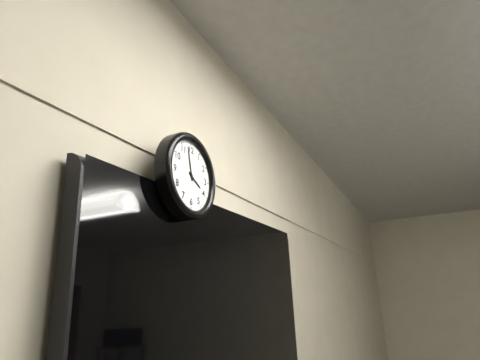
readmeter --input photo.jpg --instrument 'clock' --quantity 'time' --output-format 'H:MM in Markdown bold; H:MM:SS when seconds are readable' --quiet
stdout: **3:58**
